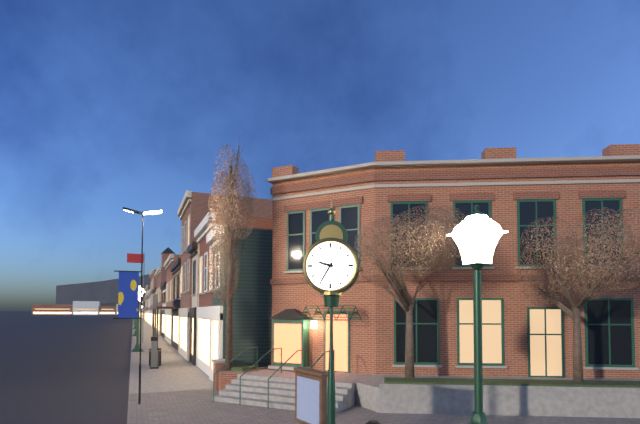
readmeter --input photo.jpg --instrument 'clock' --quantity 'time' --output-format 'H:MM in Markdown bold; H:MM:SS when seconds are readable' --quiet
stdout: **9:35**
